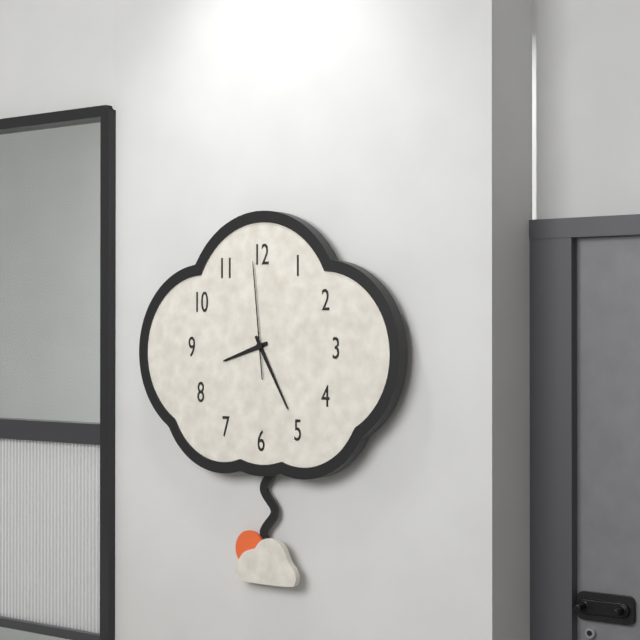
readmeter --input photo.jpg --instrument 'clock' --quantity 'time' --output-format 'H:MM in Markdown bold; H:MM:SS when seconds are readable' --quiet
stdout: **8:25:59**
